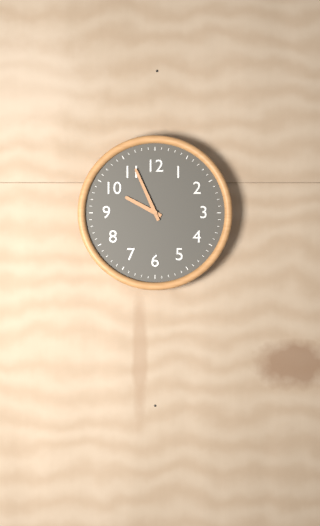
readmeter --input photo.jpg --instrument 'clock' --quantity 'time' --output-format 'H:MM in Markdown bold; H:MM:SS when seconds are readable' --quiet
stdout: **9:56**
